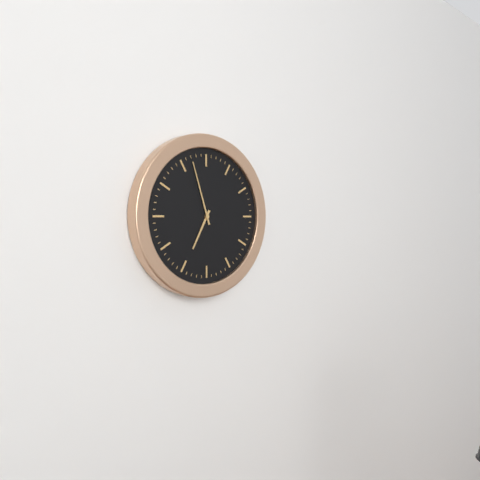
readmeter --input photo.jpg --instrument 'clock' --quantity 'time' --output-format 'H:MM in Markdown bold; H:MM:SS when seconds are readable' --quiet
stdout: **6:57**
